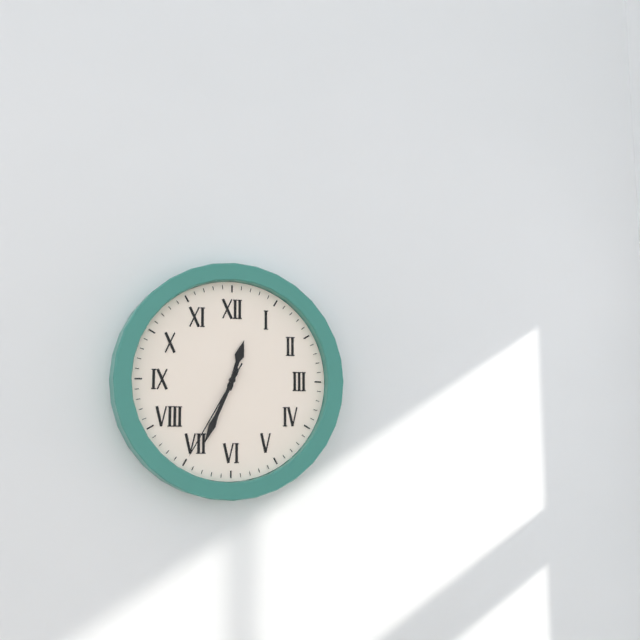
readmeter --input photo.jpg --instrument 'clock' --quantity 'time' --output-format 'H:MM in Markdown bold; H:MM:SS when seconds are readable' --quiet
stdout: **12:34:35**
